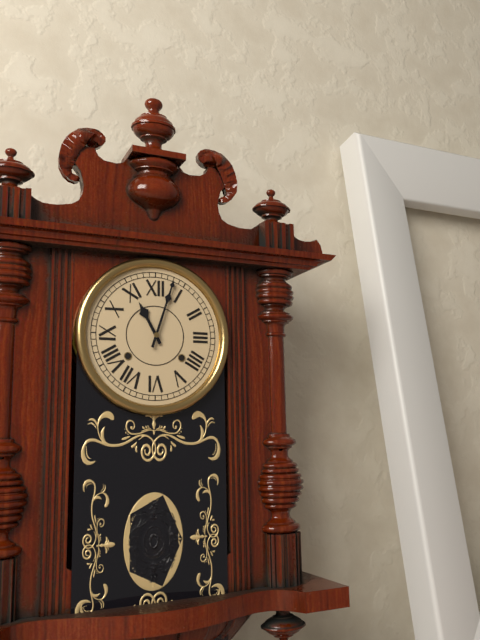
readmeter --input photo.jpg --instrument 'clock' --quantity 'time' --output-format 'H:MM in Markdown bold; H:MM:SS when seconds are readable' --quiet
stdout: **11:03**
